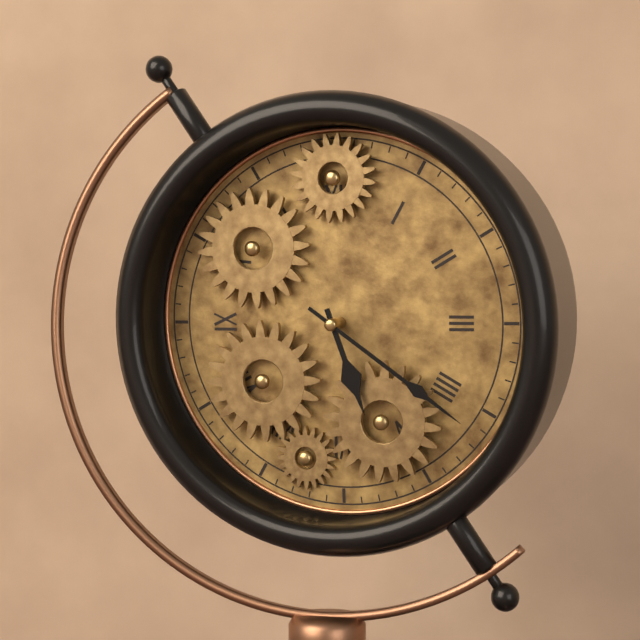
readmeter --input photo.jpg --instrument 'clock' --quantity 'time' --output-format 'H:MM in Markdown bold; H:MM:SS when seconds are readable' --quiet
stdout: **5:21**
